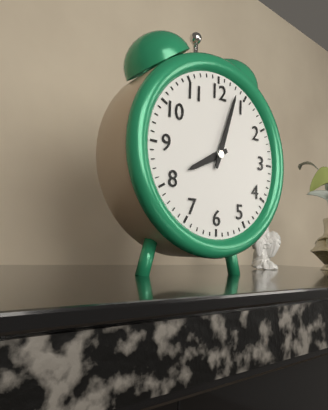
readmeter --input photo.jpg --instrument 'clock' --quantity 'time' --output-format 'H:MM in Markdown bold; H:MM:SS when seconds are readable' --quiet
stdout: **8:03**
